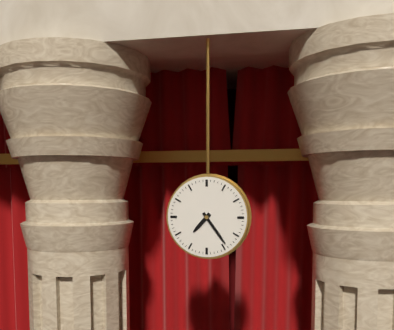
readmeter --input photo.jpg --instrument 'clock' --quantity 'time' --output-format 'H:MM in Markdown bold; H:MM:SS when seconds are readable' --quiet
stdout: **7:24**
